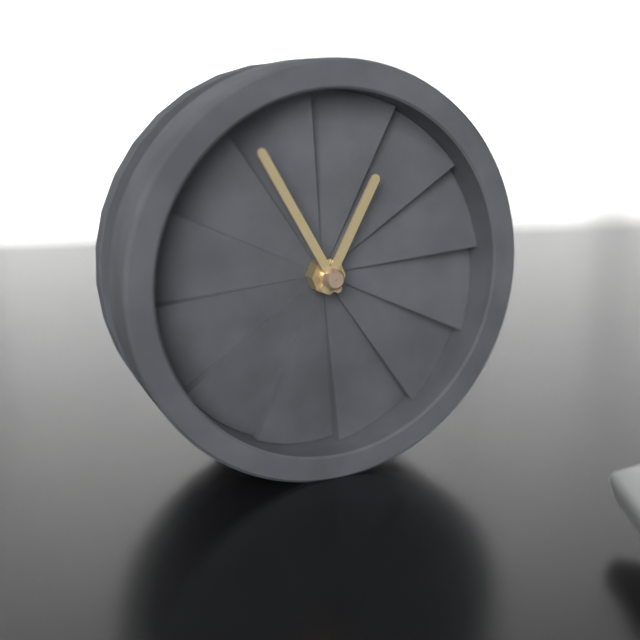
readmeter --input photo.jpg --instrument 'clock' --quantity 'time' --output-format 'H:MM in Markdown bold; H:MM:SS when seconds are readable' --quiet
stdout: **12:55**
